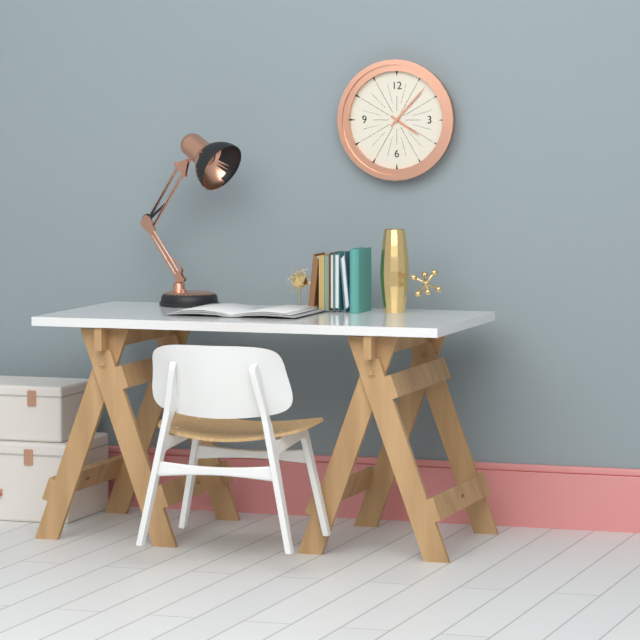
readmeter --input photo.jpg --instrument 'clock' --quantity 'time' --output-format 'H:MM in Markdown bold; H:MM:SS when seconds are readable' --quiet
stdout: **4:07**
